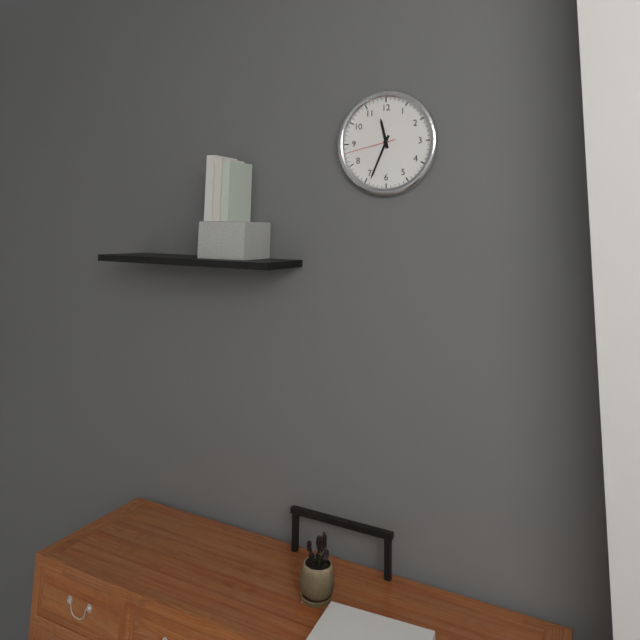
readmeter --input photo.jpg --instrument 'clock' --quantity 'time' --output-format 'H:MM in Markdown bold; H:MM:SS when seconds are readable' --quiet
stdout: **11:34**
